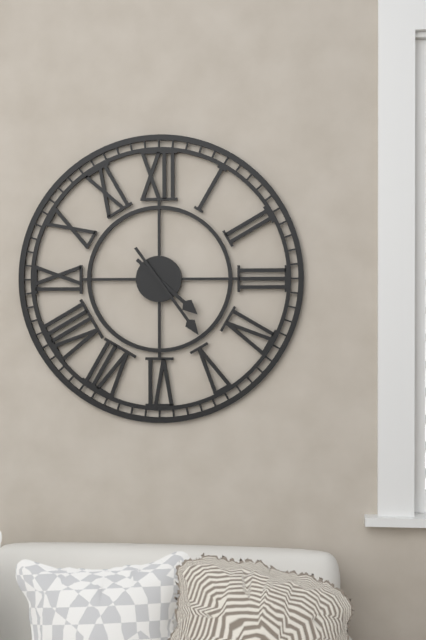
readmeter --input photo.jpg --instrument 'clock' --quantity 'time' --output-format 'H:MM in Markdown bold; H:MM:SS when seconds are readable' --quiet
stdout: **4:24**
